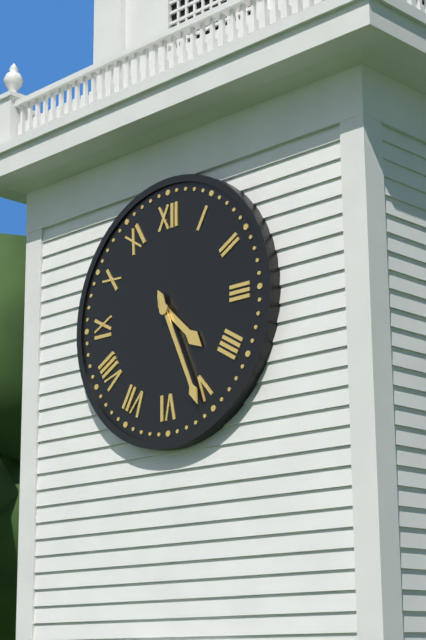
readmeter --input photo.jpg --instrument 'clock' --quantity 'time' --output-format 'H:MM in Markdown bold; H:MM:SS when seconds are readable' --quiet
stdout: **4:26**
